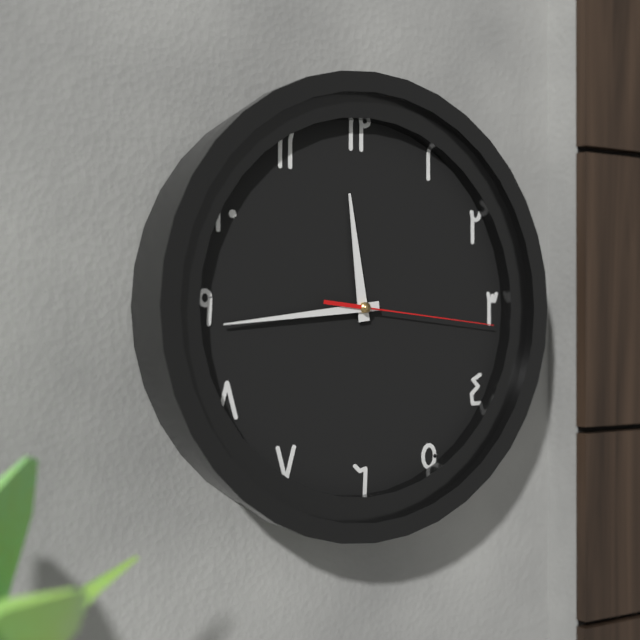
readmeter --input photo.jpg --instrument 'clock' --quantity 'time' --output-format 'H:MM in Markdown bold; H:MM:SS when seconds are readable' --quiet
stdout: **11:44:16**
